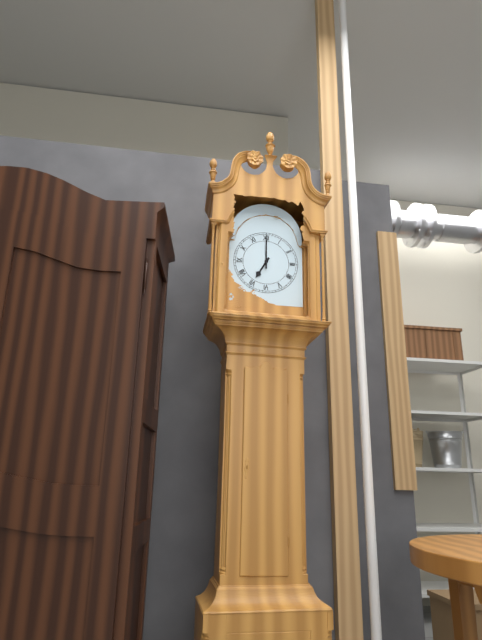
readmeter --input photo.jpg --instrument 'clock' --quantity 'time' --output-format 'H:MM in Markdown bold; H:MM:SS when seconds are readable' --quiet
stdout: **7:00**
